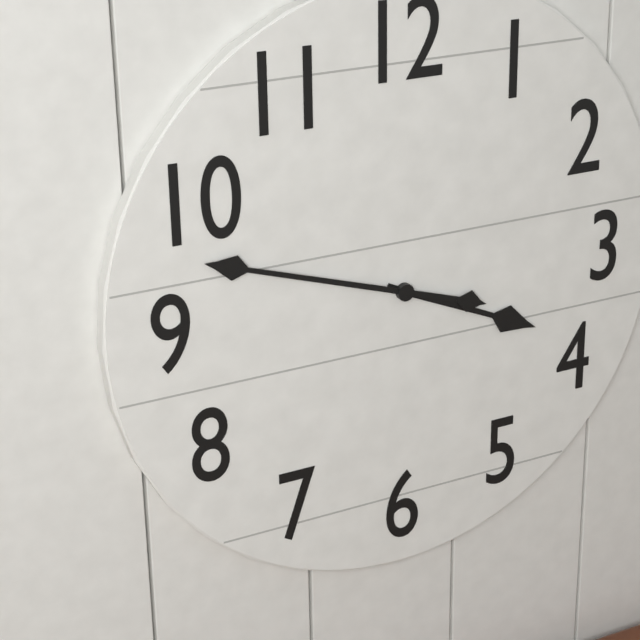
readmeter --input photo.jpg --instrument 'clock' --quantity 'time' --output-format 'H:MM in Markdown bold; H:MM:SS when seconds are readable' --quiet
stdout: **3:48**
